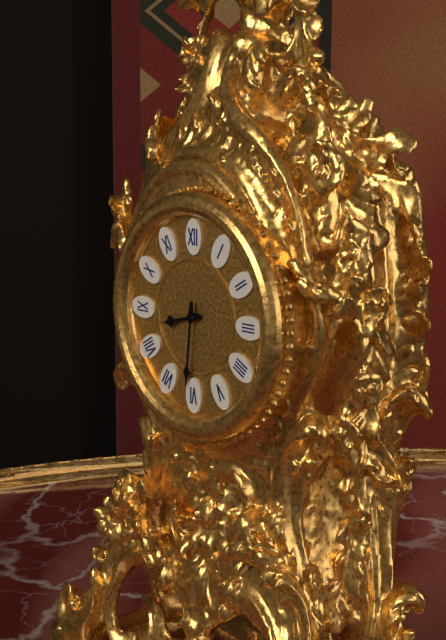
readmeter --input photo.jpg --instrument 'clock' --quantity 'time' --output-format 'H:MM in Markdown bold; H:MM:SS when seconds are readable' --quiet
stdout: **8:31**
